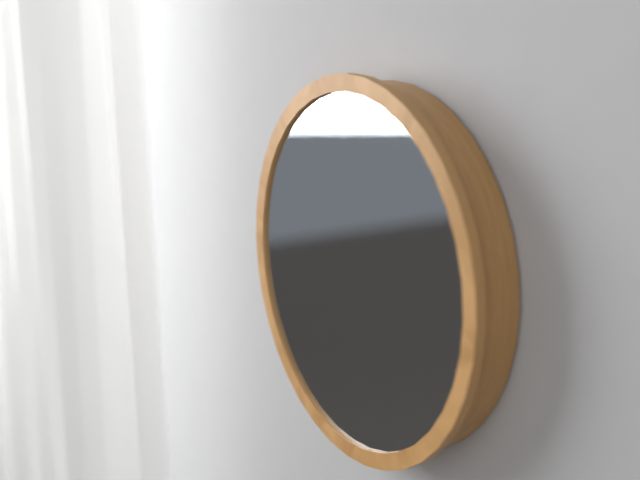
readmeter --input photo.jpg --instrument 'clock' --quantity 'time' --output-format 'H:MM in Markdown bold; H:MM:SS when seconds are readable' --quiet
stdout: **6:31**
